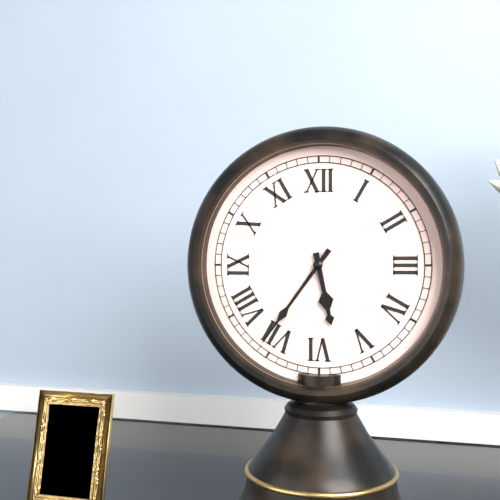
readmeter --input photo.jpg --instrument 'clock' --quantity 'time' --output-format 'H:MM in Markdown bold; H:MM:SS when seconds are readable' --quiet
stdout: **5:36**
